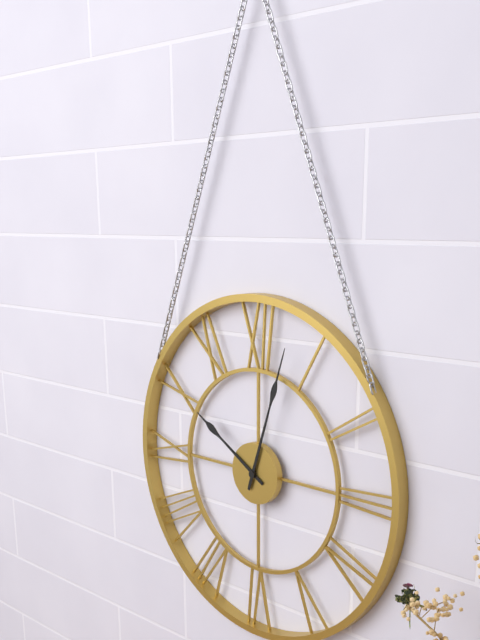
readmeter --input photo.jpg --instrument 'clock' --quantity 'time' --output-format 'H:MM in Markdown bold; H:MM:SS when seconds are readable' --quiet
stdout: **10:03**
